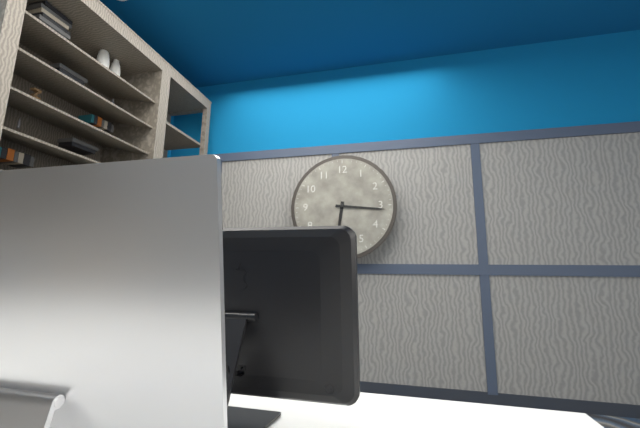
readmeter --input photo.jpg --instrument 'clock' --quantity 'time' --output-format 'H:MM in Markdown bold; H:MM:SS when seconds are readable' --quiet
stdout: **6:16**
